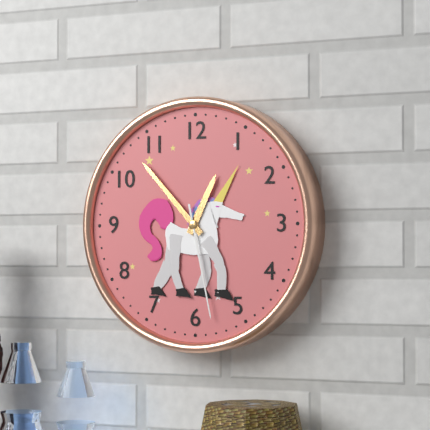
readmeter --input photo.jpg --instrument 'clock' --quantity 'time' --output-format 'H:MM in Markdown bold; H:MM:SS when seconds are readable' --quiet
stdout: **12:53:28**
